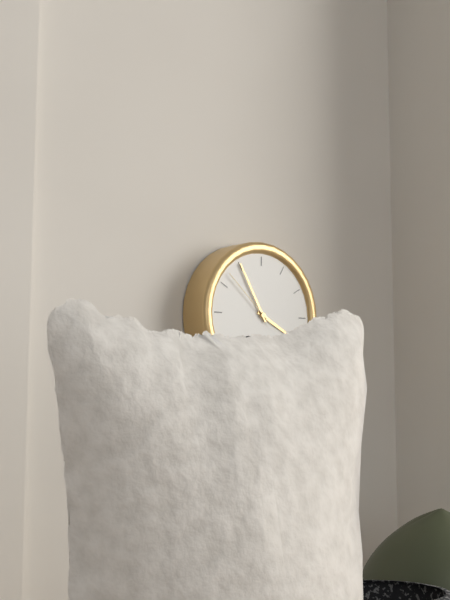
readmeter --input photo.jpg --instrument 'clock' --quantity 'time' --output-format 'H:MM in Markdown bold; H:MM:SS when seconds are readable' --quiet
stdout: **3:55:52**
